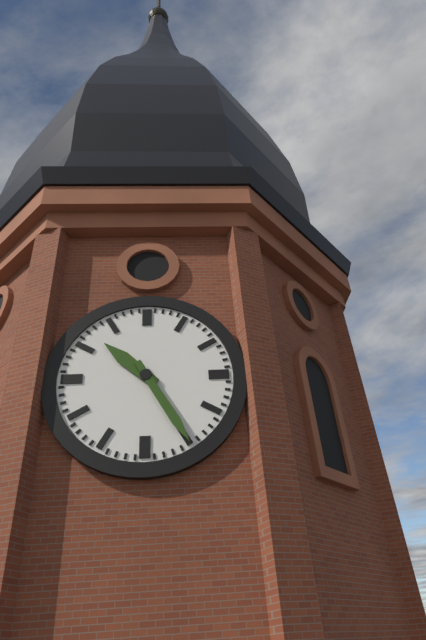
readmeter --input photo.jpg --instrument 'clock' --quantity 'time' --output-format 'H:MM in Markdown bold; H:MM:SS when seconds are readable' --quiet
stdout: **10:25**
